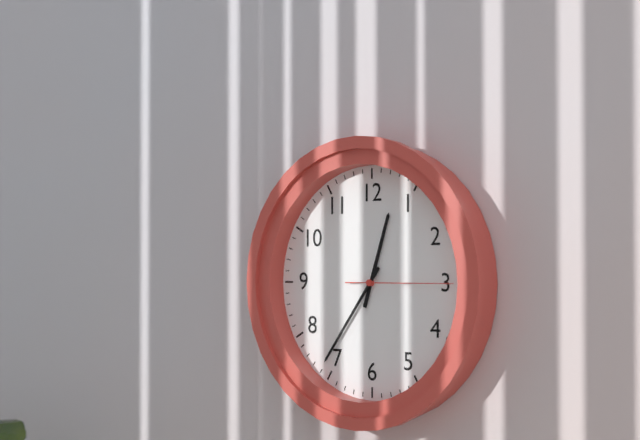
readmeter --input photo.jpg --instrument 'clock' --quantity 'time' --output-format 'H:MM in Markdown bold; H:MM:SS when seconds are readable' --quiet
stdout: **12:36:15**
